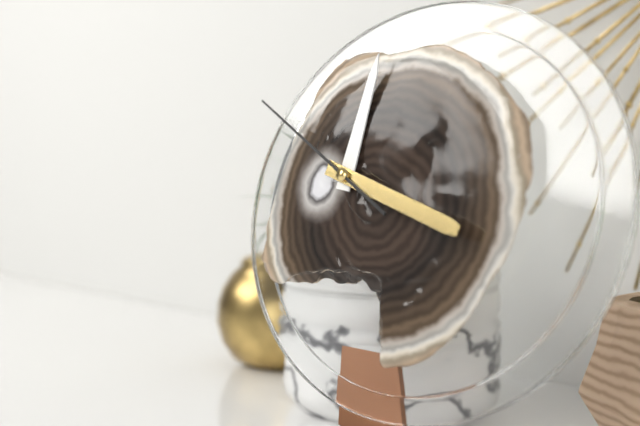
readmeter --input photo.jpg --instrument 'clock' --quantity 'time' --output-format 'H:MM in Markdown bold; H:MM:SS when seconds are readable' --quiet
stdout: **12:18:50**
